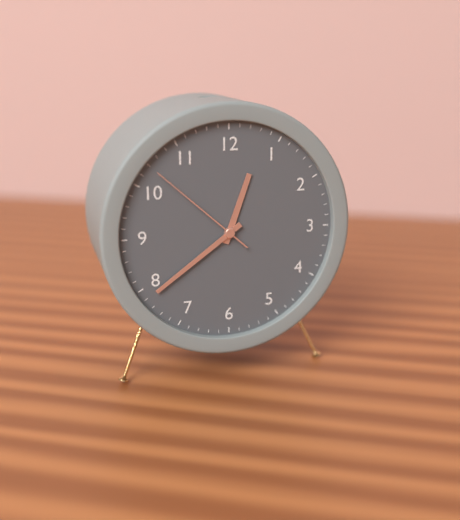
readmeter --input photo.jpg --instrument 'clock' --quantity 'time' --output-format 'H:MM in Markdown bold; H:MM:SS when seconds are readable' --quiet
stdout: **12:39:52**
